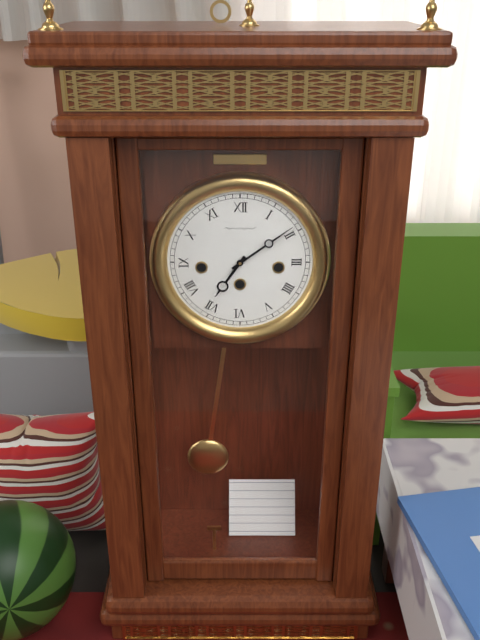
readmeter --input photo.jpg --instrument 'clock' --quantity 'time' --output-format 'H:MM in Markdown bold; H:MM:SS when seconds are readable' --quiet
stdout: **7:09**
